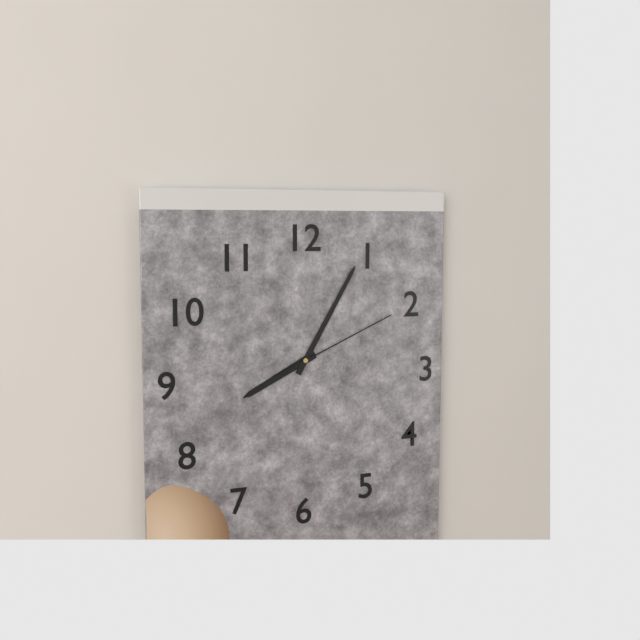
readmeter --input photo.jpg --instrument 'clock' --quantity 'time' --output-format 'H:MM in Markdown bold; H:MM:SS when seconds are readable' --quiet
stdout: **8:05:11**
